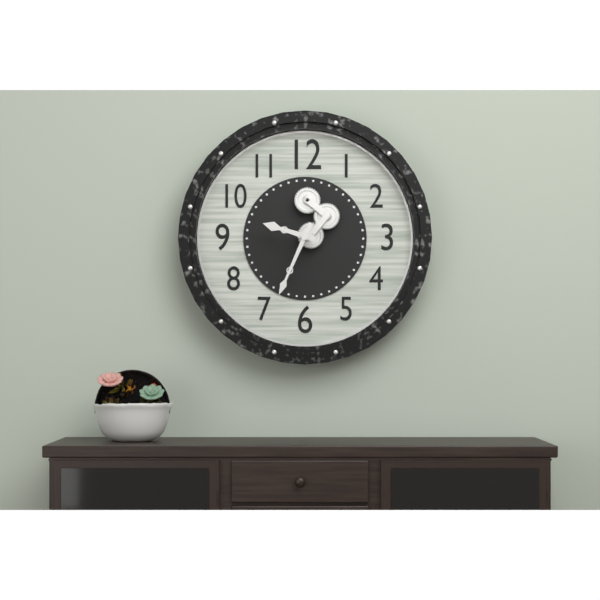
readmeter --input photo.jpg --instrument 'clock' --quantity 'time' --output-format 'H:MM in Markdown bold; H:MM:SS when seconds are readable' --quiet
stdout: **9:34**
